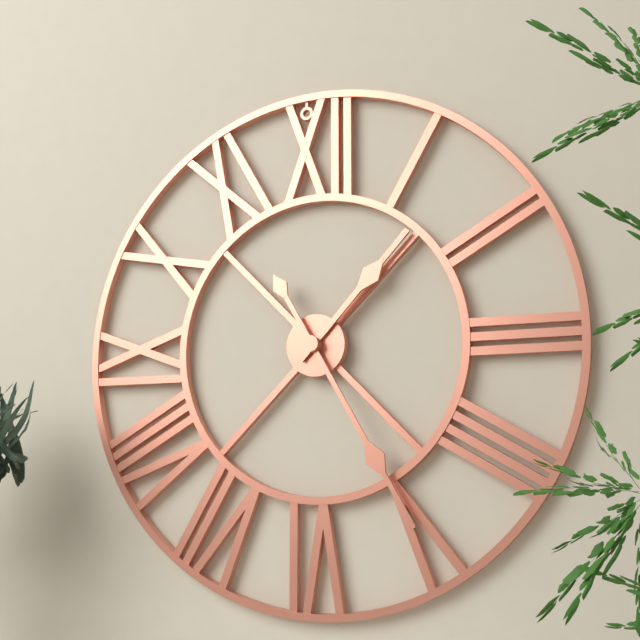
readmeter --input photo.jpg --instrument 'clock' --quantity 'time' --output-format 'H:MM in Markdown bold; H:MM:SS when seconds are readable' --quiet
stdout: **1:25**
